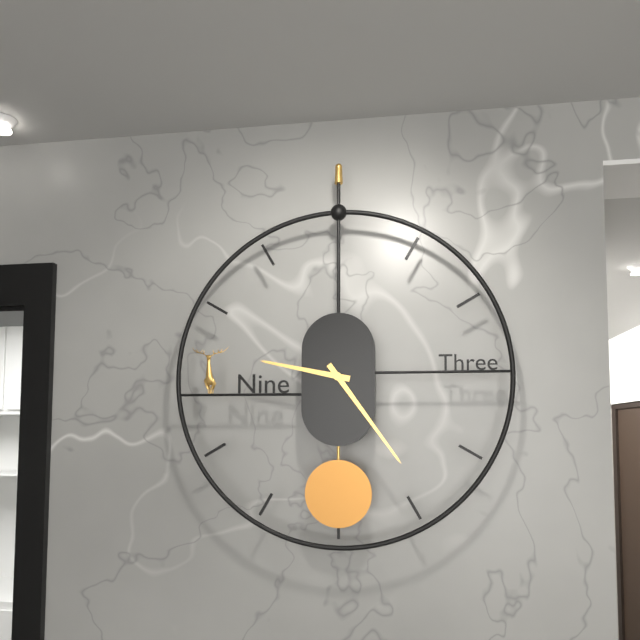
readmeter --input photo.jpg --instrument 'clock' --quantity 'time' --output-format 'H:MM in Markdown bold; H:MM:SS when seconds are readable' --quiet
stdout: **9:24**
